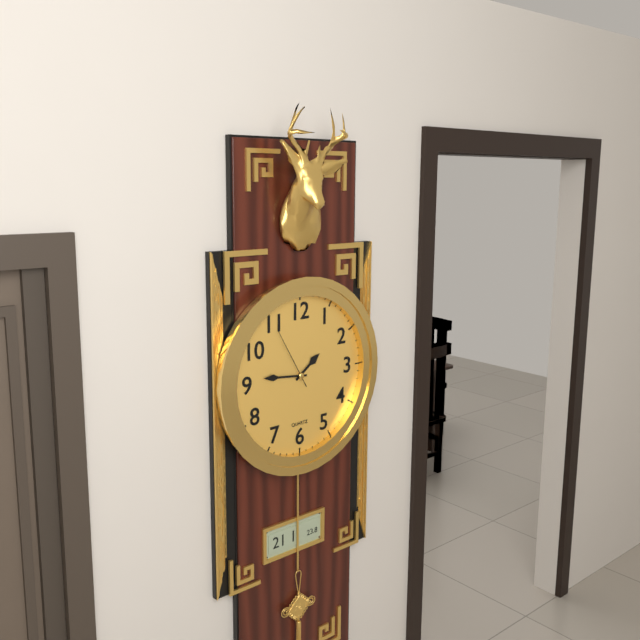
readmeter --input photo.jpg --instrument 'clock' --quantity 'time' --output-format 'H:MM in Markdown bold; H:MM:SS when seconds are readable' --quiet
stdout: **1:46:55**
